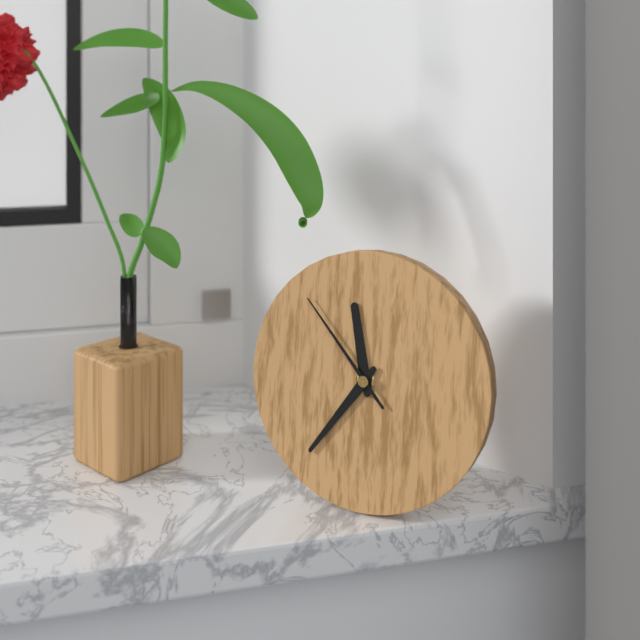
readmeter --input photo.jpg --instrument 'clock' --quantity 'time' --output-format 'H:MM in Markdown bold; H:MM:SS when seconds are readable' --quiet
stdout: **11:36:53**
